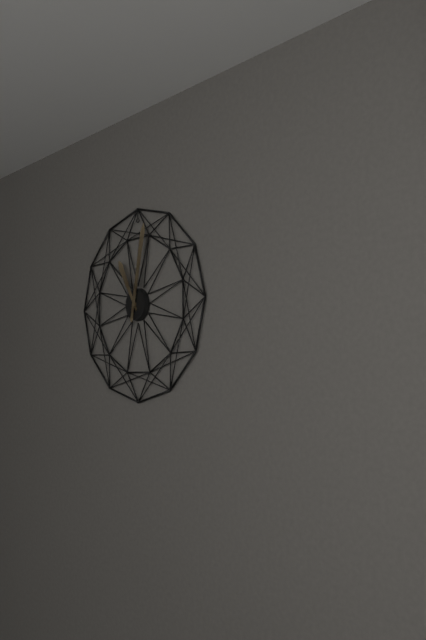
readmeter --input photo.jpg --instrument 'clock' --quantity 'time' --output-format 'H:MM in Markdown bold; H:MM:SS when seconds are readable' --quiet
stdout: **11:02**
